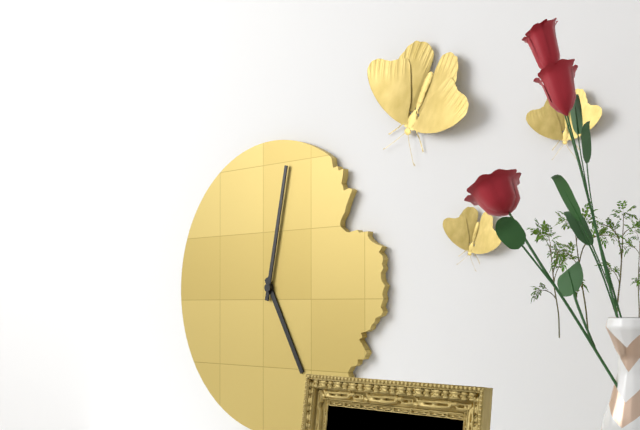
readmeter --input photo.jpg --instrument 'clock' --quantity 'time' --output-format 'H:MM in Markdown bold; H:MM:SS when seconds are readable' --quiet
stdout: **5:02**
